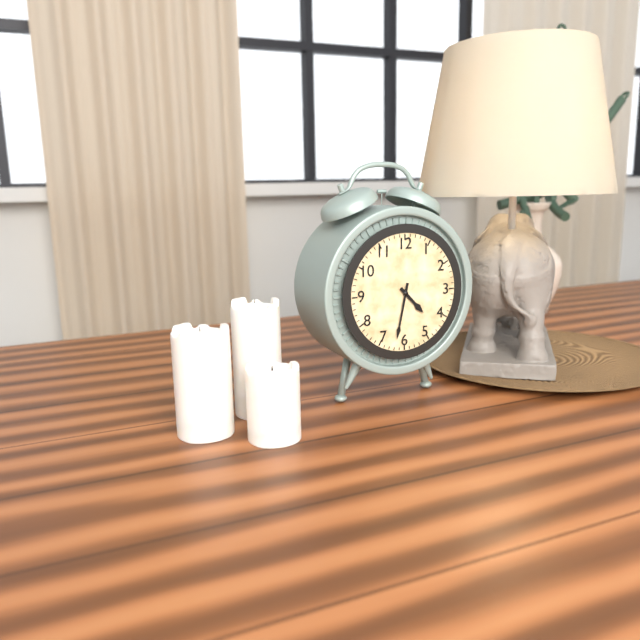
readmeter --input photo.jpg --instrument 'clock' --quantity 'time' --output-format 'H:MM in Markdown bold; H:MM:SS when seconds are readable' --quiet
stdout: **4:32**
